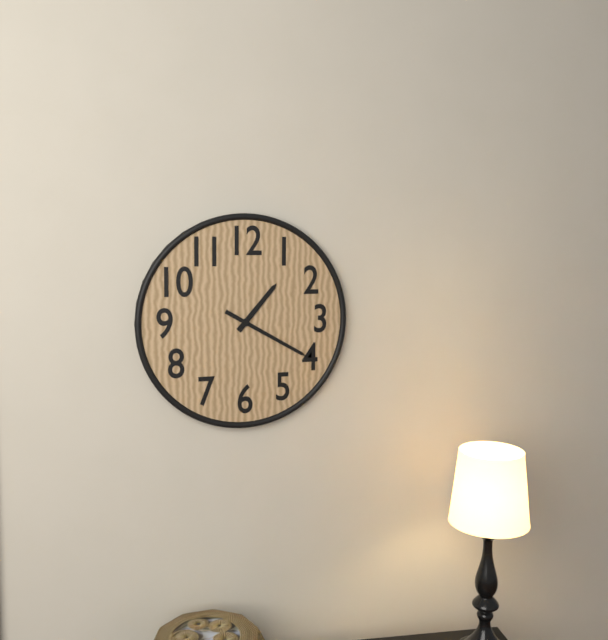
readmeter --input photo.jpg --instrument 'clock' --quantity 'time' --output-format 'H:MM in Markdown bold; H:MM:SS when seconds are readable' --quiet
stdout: **1:20**
